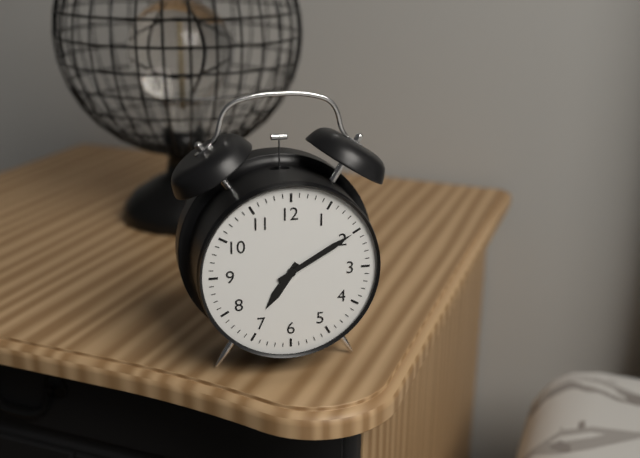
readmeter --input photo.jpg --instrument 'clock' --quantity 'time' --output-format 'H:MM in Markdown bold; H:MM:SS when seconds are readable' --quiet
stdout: **7:10**
